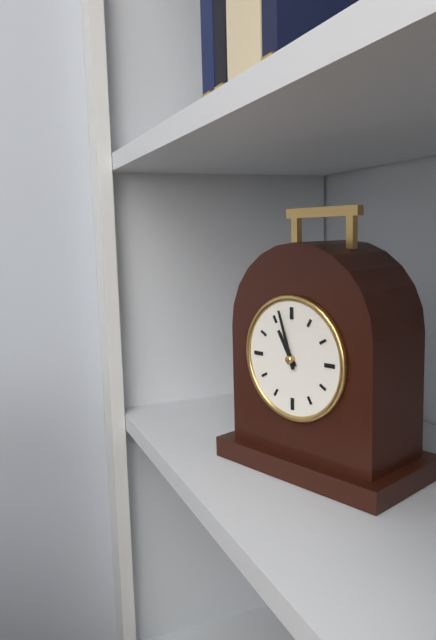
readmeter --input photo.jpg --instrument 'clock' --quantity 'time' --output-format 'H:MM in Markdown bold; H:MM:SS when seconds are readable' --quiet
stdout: **10:57**
